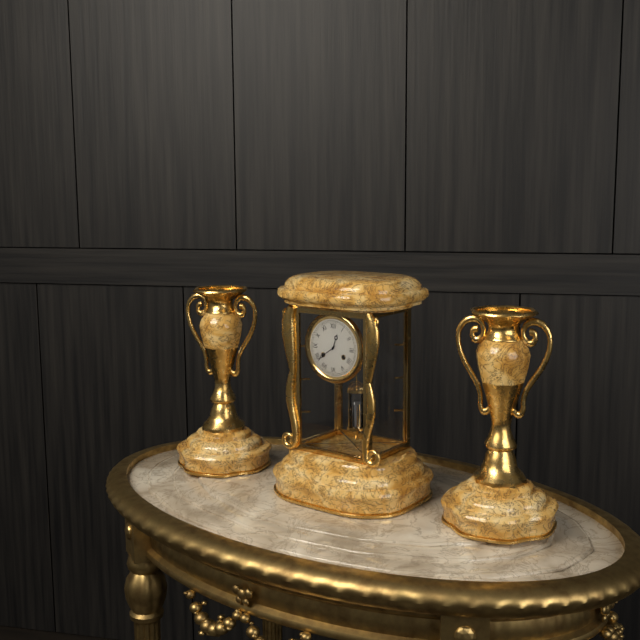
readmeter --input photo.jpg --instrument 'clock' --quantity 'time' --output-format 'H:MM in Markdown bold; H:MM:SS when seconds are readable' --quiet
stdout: **12:39**
